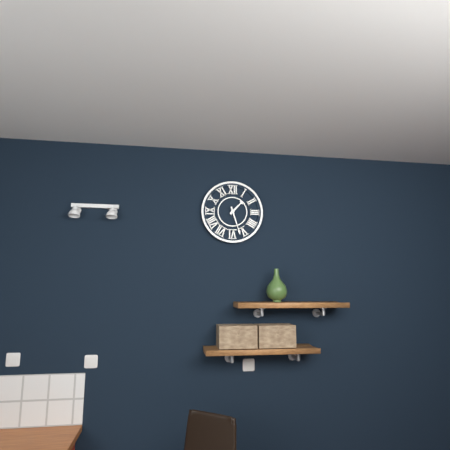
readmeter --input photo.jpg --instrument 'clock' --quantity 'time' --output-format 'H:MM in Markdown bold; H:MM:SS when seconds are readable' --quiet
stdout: **1:27**
